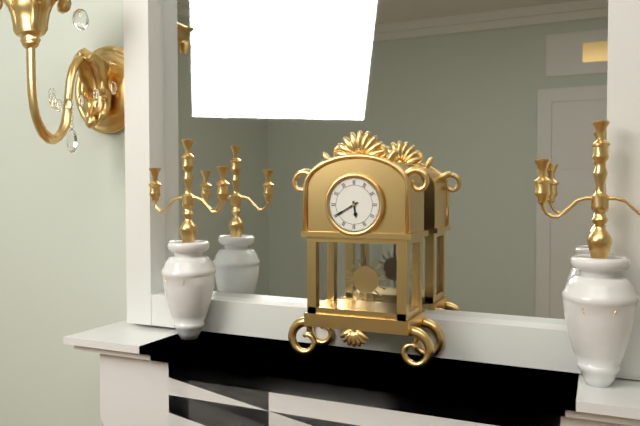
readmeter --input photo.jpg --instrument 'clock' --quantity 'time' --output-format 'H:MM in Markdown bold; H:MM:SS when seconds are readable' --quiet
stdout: **5:40**
